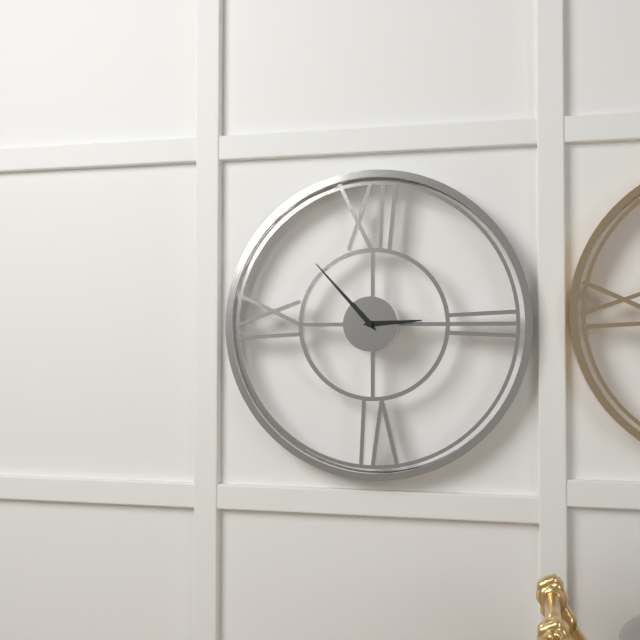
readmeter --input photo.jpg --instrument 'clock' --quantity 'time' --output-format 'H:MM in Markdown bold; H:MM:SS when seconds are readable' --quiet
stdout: **2:53**
